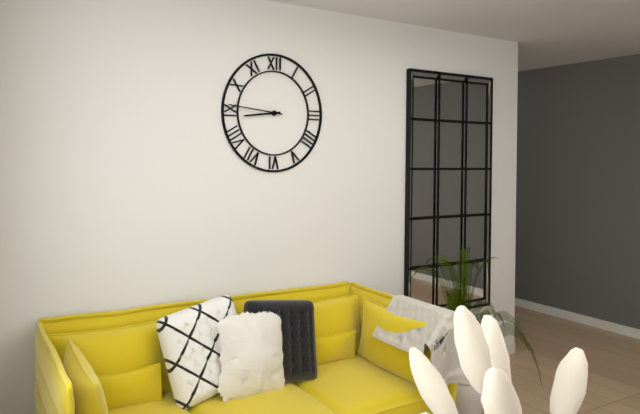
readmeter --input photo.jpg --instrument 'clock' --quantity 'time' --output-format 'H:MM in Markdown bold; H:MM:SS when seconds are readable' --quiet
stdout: **8:46**
